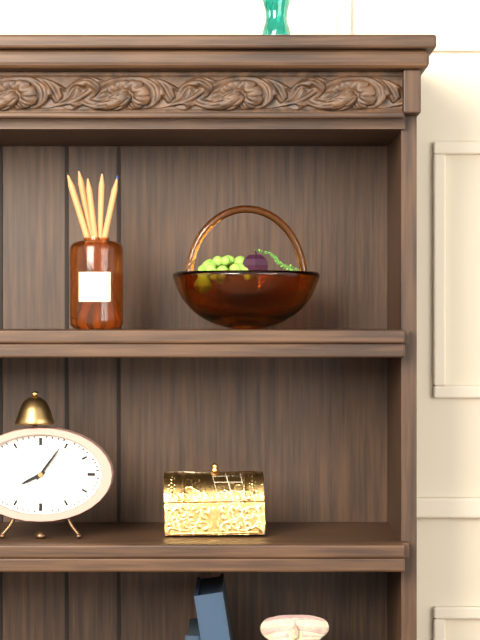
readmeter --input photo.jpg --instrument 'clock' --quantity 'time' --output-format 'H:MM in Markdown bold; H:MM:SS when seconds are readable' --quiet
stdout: **8:06**
